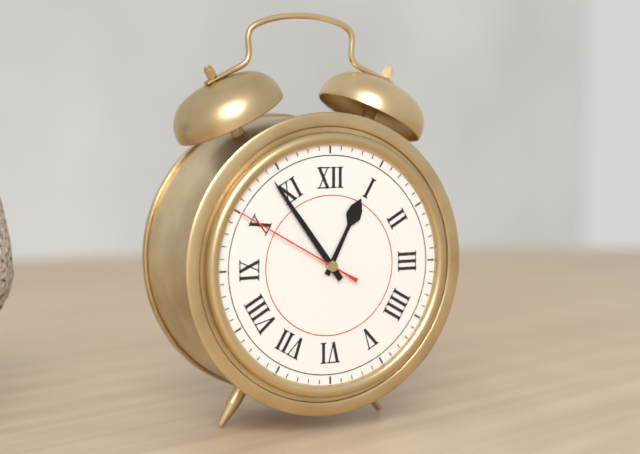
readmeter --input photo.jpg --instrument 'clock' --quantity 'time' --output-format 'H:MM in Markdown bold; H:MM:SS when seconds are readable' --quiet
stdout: **12:54:50**
